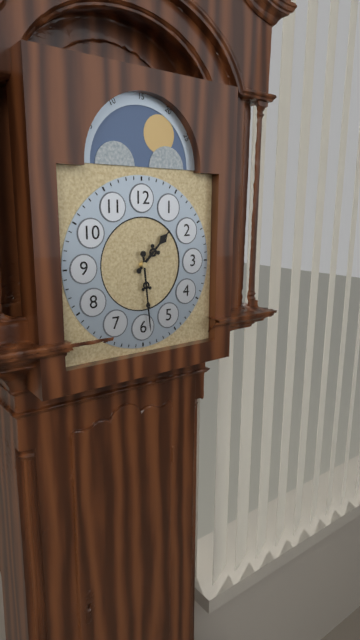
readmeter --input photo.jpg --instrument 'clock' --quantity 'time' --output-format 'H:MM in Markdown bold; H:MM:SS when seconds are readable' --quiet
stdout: **1:29**
